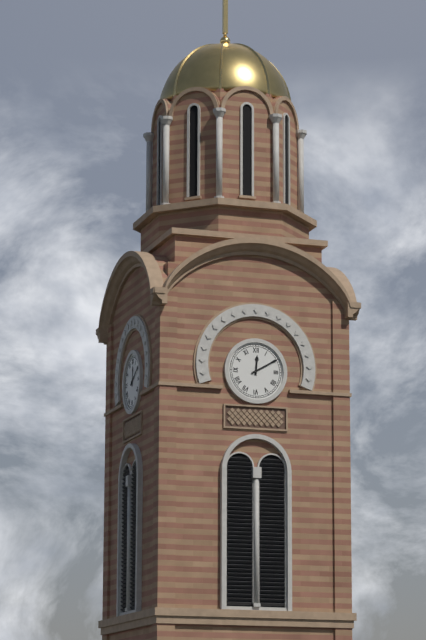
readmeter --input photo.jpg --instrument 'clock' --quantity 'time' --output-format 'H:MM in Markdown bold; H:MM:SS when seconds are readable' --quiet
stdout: **12:10**
